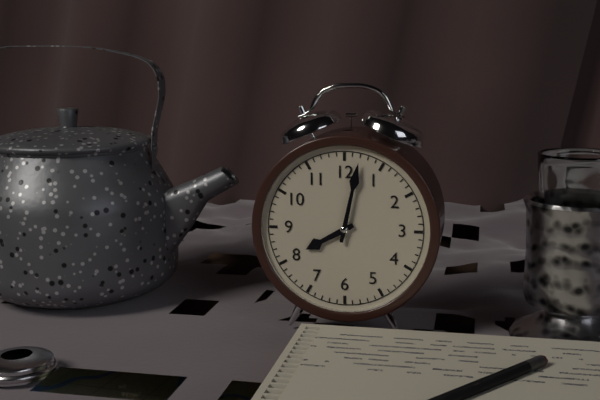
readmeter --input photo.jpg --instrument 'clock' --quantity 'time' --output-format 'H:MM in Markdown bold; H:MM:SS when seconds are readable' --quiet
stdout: **8:02**
